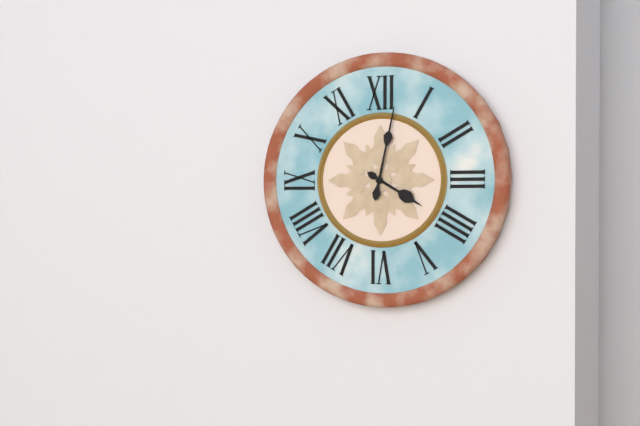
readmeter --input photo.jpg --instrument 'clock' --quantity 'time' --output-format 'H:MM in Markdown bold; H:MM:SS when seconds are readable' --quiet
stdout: **4:02**
